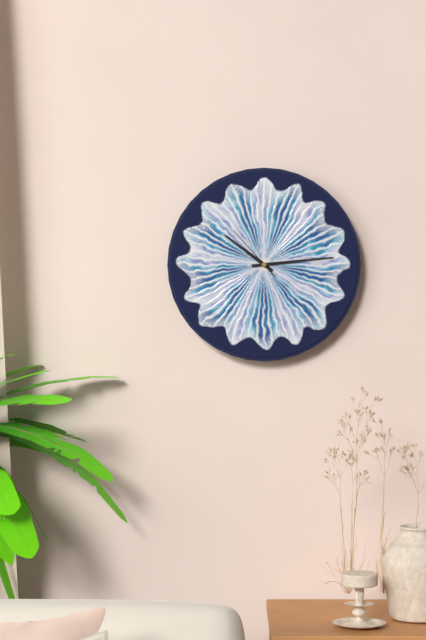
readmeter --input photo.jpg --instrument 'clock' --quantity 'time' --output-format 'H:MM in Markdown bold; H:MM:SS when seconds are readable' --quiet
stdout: **10:14:53**
